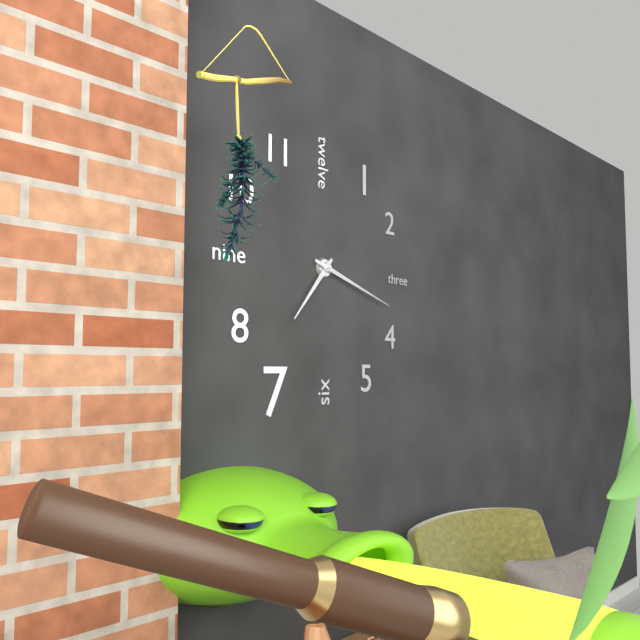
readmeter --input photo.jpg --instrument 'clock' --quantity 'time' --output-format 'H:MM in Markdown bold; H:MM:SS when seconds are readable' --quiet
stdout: **7:18**
